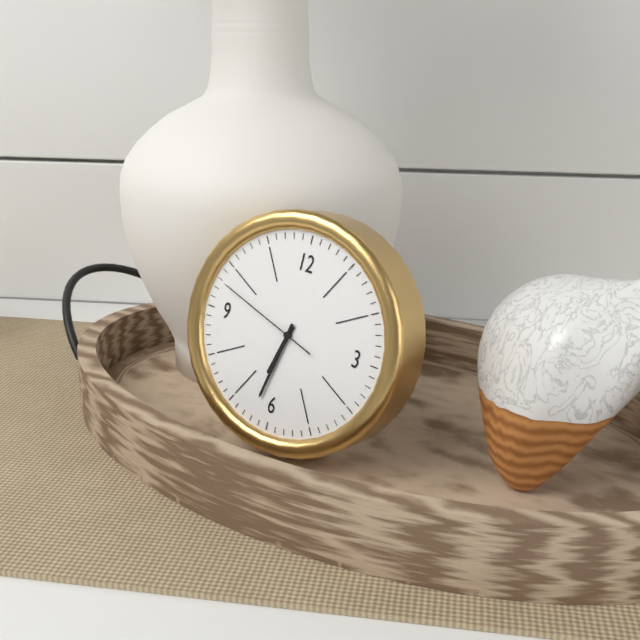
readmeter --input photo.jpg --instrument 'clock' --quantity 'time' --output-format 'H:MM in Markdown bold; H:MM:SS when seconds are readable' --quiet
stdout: **6:32:48**
